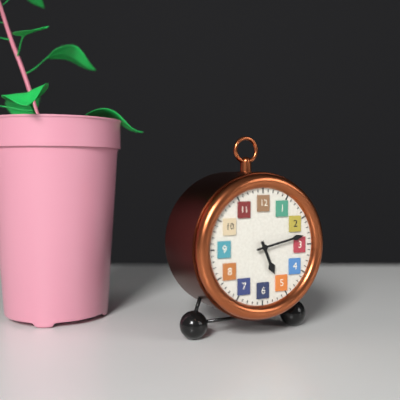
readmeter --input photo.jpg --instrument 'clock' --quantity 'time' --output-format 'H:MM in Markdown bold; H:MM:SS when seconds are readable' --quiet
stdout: **5:13**
